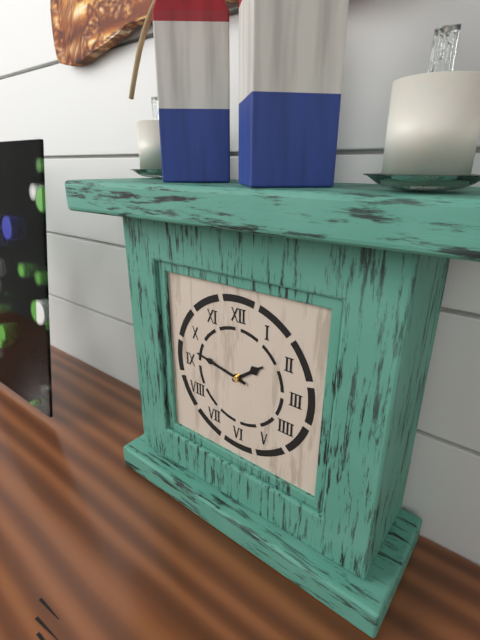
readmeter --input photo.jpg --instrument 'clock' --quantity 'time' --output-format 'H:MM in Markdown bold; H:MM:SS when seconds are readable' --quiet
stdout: **1:47**
